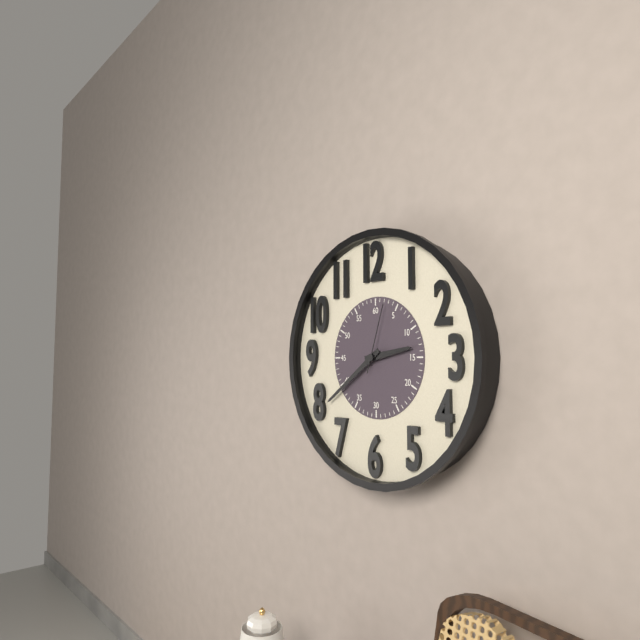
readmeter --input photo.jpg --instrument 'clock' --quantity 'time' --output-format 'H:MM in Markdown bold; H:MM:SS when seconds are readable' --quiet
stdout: **2:39:03**
